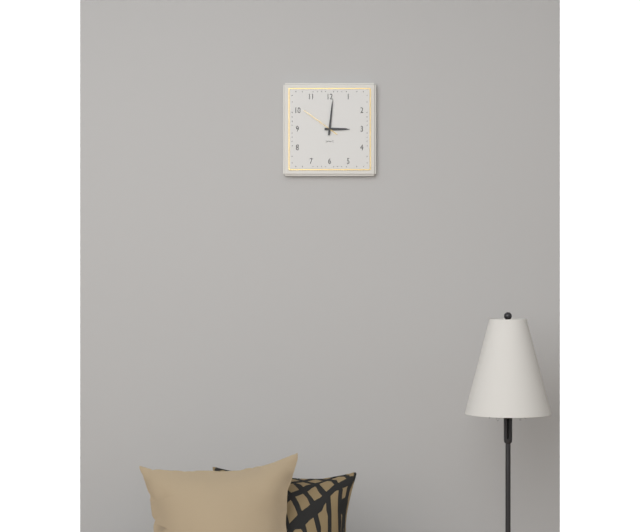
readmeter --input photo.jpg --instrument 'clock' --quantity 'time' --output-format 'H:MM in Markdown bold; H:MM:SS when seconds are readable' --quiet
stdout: **3:01**
